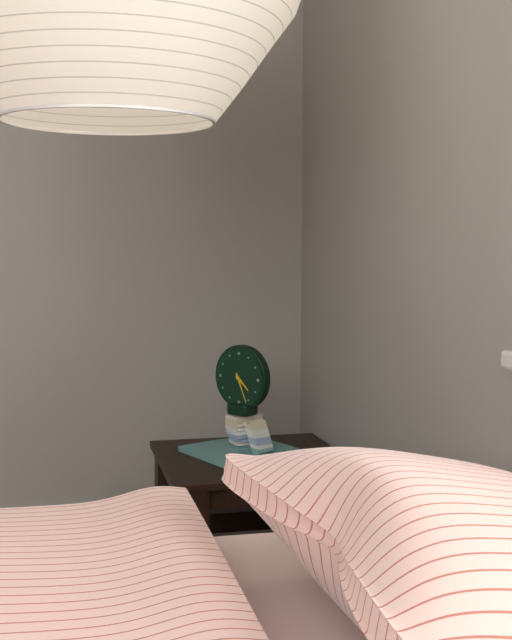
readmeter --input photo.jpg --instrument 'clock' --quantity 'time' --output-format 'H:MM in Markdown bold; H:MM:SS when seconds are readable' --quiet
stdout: **4:26**
